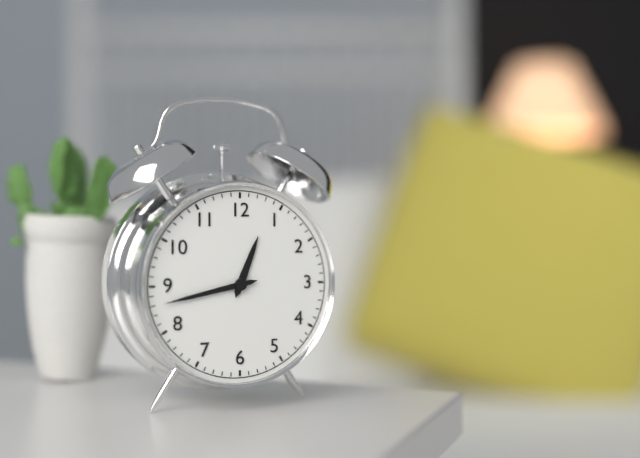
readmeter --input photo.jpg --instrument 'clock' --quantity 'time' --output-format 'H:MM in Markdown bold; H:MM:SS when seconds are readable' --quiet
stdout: **12:43**
